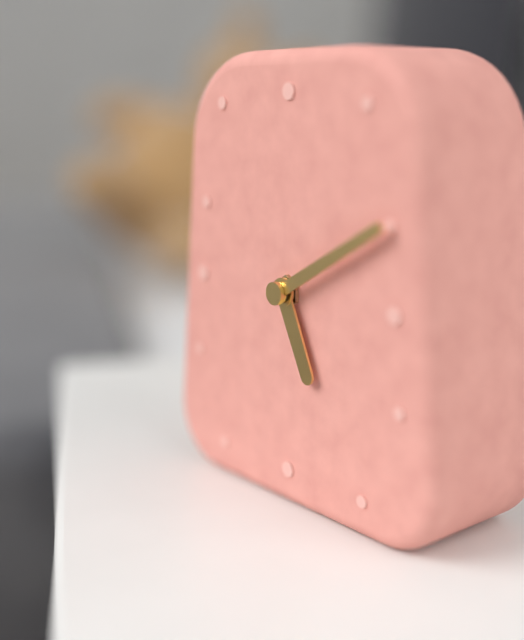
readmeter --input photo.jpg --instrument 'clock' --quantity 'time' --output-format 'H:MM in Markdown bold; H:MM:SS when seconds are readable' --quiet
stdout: **5:10**
